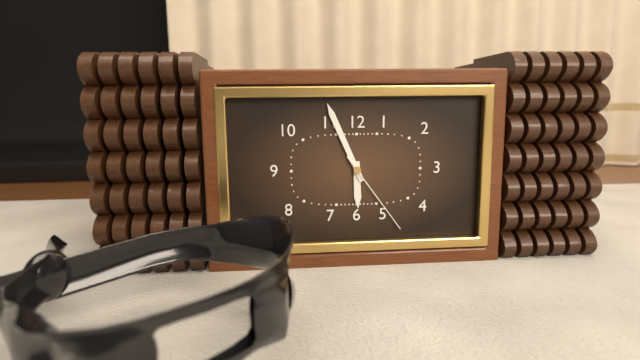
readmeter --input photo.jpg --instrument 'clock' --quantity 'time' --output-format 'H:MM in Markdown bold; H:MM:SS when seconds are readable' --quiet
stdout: **5:56:24**
